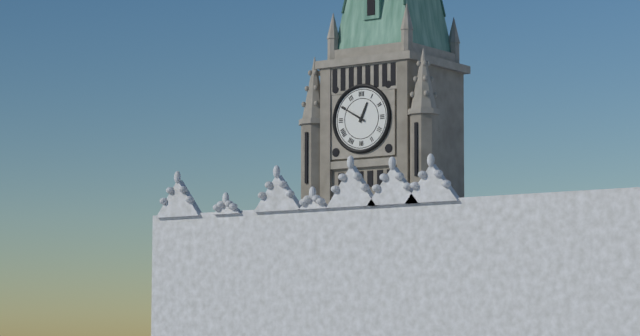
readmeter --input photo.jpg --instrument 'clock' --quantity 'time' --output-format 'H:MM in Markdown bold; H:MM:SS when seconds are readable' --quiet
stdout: **12:50**
